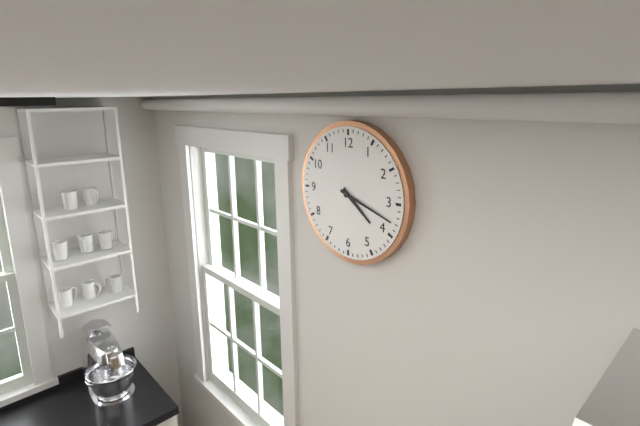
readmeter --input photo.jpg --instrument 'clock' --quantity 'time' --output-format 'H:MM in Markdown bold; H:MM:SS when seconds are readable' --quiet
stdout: **4:18**
